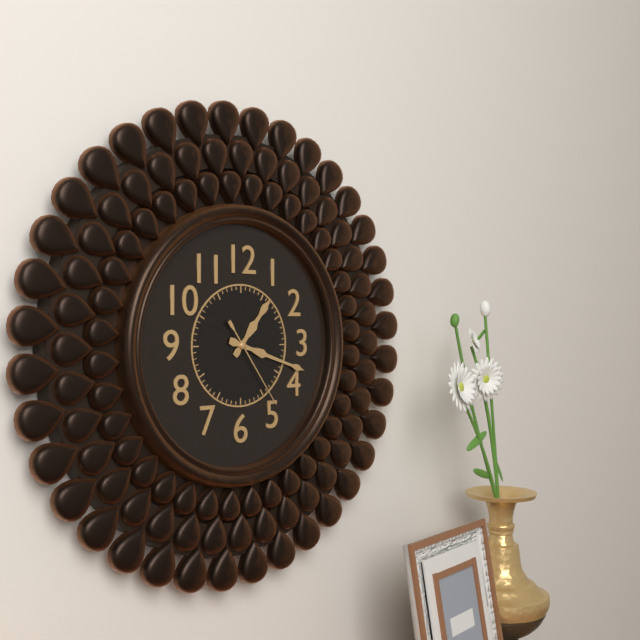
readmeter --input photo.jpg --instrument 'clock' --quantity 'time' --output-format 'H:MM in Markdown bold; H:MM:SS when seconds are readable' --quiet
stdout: **1:18:24**
